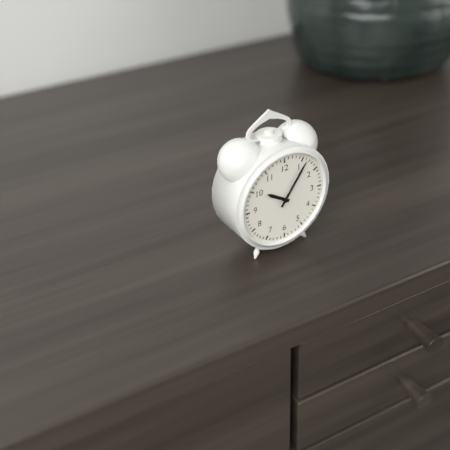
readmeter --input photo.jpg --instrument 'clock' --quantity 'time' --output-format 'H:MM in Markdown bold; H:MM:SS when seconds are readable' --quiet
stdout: **10:06**
